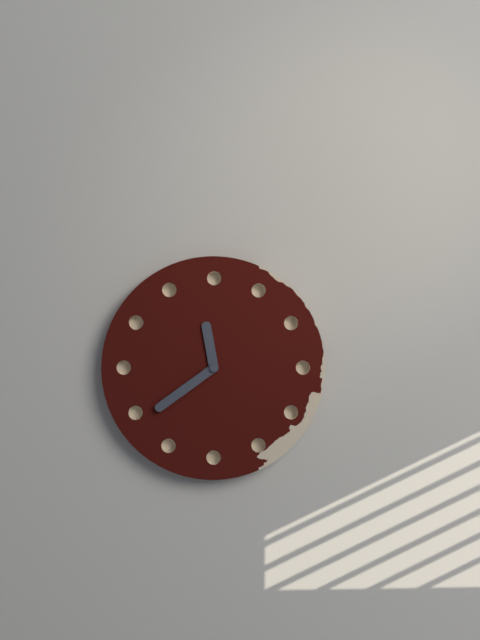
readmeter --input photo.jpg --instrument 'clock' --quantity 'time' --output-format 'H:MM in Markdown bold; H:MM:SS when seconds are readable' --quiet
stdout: **11:39**
